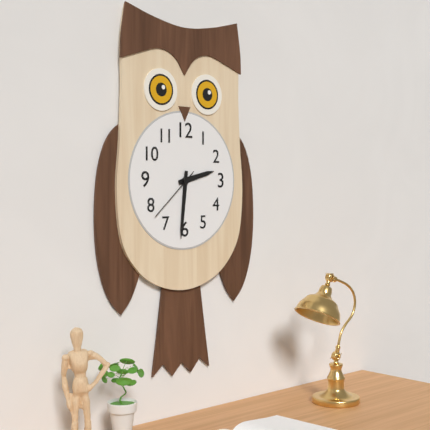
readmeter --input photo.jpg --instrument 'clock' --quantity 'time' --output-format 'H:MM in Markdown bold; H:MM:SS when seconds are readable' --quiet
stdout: **2:31:38**
